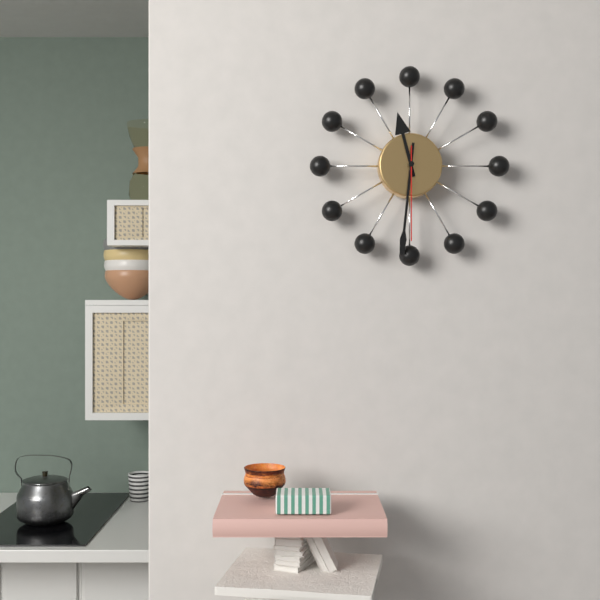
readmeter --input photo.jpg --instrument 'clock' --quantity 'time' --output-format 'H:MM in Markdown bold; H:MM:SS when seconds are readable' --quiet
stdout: **11:31:30**
